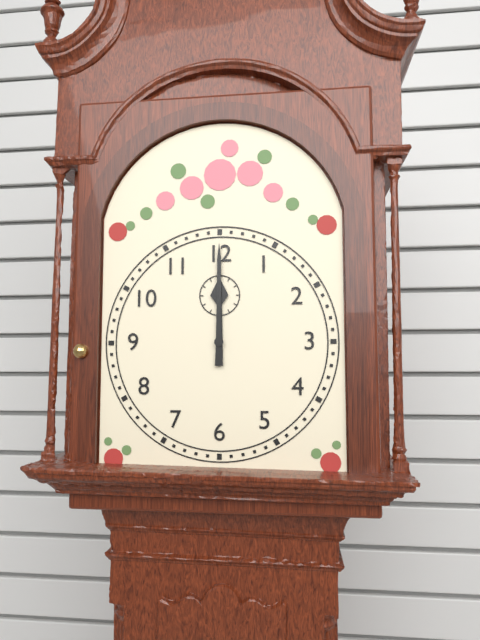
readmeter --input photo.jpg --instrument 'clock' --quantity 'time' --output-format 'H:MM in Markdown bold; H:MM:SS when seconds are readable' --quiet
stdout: **12:00**
